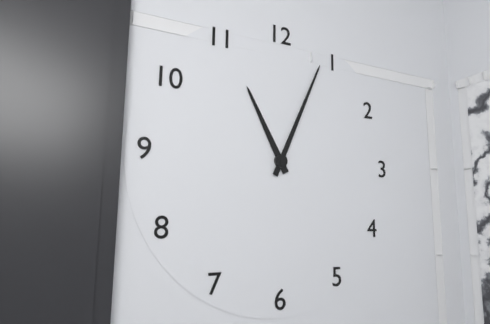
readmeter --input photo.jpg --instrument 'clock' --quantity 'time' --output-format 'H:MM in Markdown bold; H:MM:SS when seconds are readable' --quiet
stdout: **11:04**
